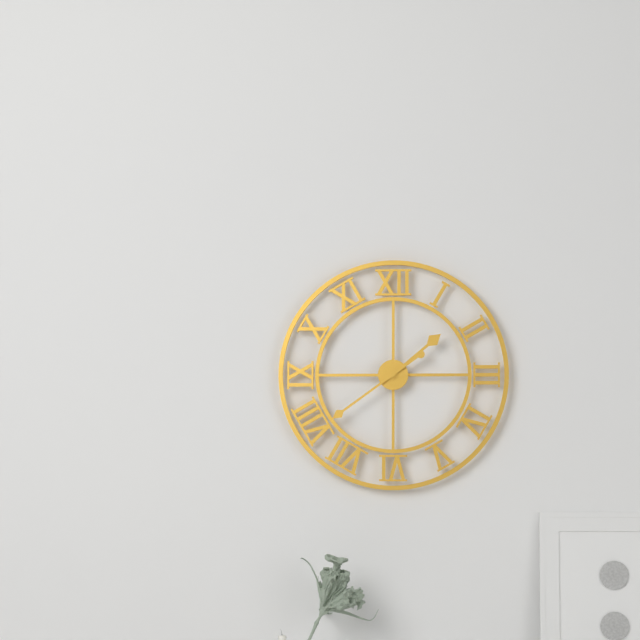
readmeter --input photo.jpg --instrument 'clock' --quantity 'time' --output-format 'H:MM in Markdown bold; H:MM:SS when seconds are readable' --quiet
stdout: **1:39**
